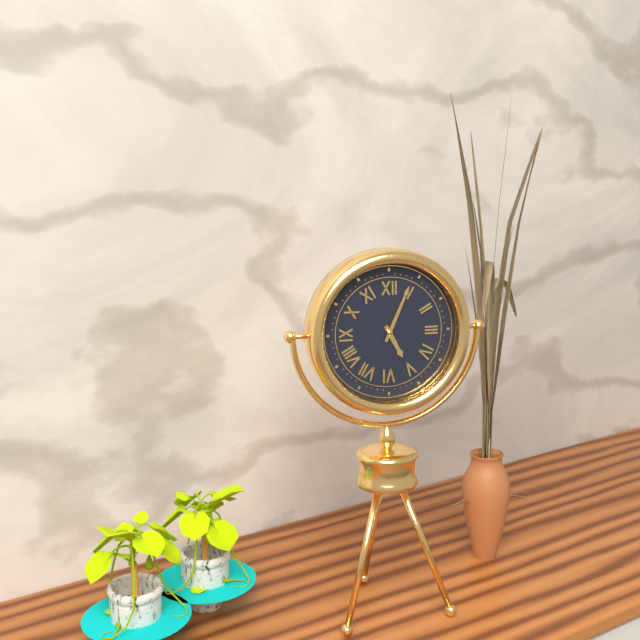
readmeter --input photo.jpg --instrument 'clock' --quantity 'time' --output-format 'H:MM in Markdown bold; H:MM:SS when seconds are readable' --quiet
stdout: **5:04**
